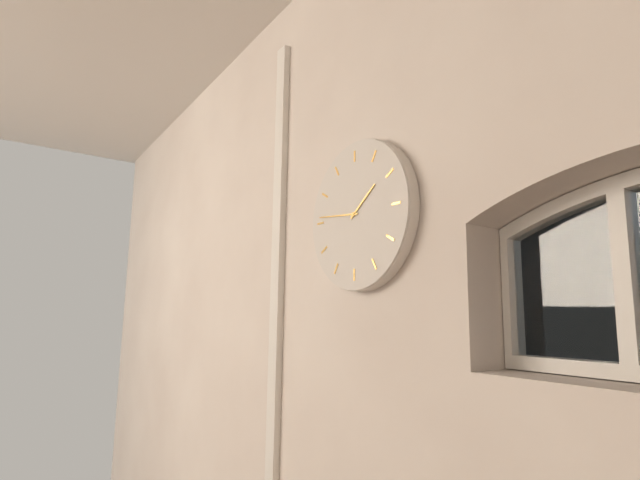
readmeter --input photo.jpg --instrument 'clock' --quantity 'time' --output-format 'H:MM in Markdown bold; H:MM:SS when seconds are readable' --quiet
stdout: **1:46**
